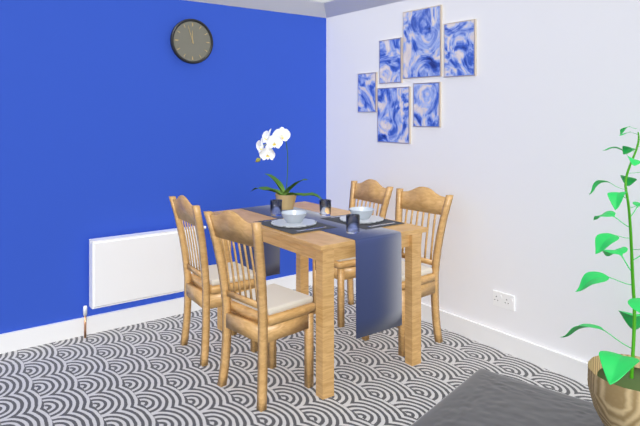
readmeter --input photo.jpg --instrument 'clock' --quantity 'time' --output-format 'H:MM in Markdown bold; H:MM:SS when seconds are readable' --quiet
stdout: **11:57**
